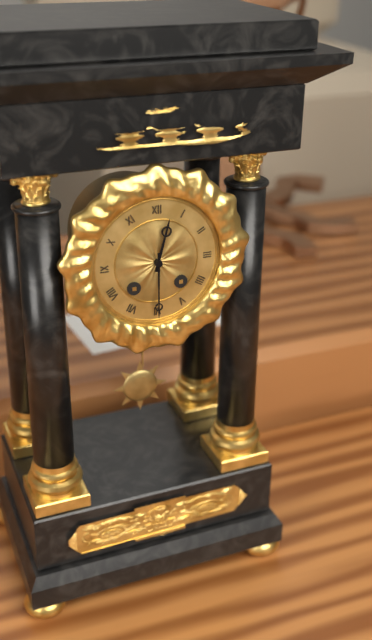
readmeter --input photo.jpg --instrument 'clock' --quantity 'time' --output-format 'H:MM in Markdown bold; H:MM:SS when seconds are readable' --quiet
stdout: **12:30**
